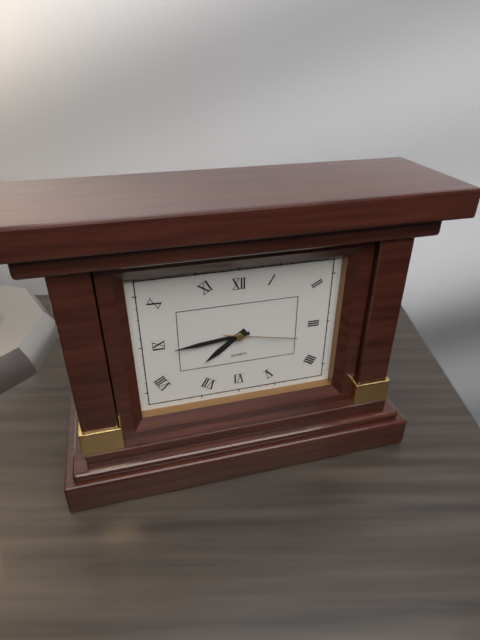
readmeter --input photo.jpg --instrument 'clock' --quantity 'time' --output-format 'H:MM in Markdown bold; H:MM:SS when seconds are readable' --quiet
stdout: **7:44:17**
